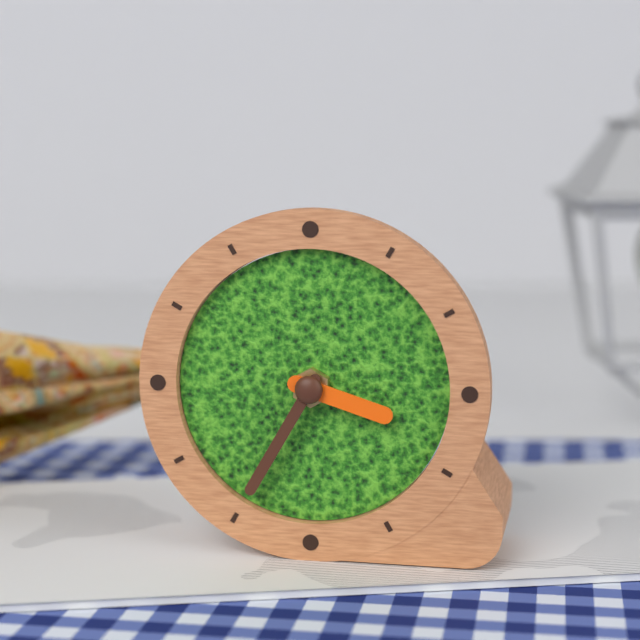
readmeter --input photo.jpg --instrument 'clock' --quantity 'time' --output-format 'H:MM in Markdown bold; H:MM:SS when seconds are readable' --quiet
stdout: **3:35**
